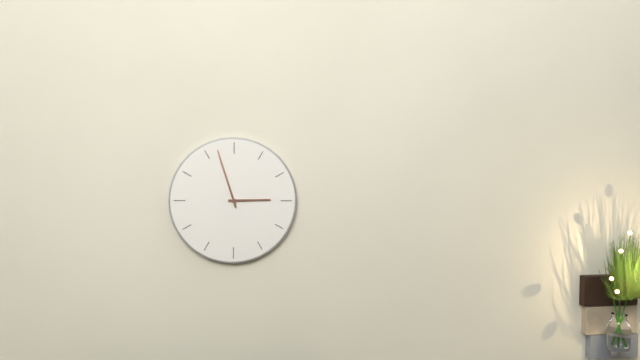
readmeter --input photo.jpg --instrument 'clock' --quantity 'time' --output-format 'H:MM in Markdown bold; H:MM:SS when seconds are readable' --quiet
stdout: **2:57**
